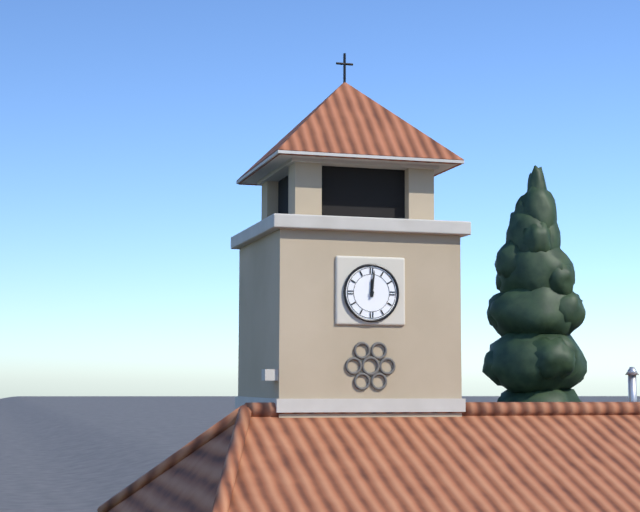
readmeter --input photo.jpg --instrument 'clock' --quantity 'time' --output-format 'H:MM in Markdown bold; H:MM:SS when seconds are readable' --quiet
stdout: **12:01**
